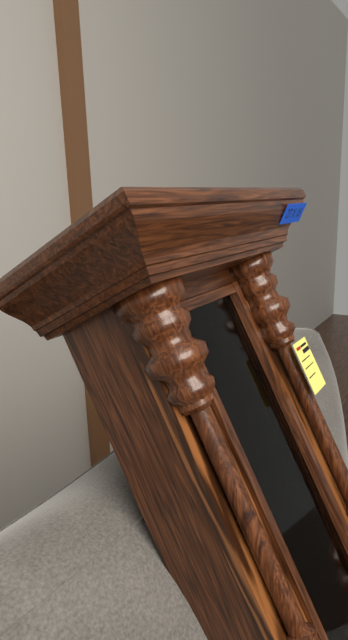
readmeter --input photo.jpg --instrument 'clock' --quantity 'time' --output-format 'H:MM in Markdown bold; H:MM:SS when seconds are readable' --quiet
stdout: **12:15**
